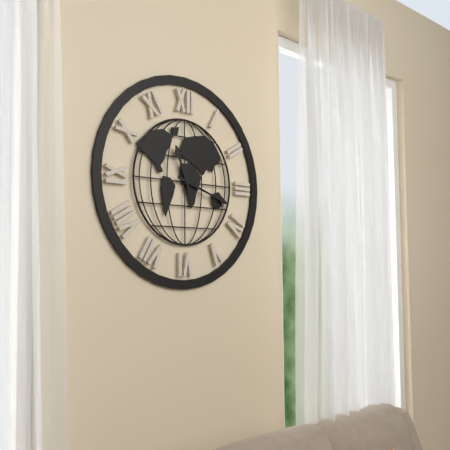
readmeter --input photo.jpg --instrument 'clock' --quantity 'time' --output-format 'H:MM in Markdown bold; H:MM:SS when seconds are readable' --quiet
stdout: **11:18**
